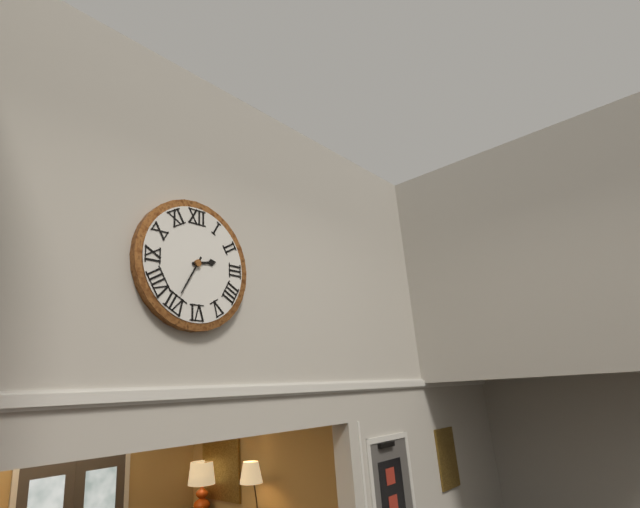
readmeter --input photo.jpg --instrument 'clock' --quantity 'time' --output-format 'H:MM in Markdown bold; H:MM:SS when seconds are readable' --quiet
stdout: **2:35**
